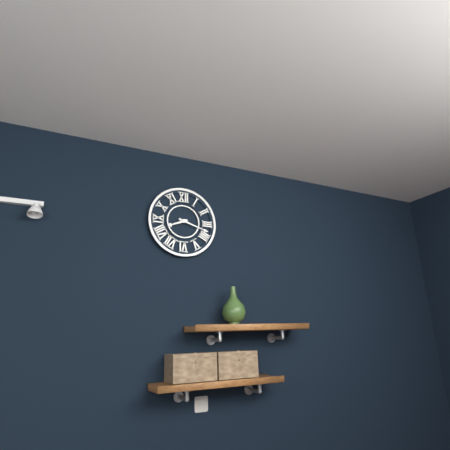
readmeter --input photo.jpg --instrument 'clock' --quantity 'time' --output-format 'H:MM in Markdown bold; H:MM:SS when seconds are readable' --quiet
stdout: **8:18**
